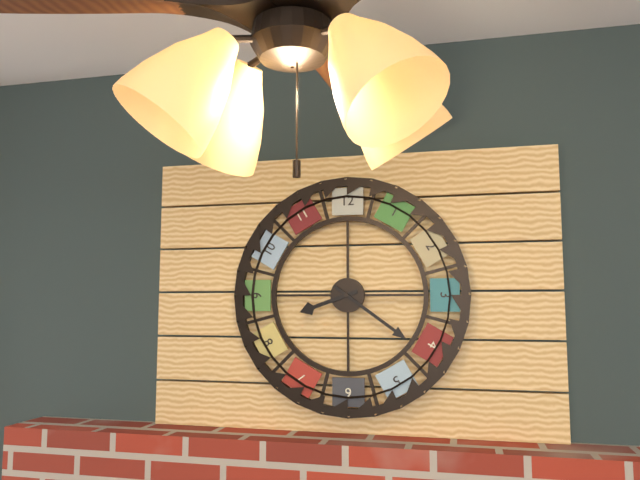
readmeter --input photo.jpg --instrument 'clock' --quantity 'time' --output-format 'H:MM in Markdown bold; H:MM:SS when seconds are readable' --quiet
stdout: **8:21**
